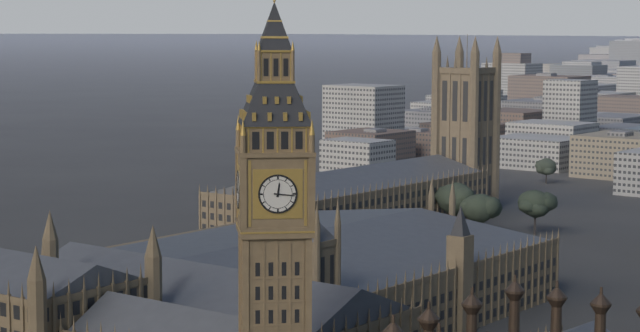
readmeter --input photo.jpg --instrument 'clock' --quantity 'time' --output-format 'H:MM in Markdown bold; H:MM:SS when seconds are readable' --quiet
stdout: **12:16**
